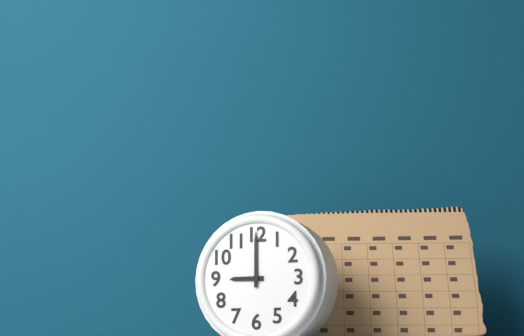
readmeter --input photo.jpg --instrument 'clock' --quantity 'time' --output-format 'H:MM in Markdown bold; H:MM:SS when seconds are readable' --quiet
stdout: **9:00**
